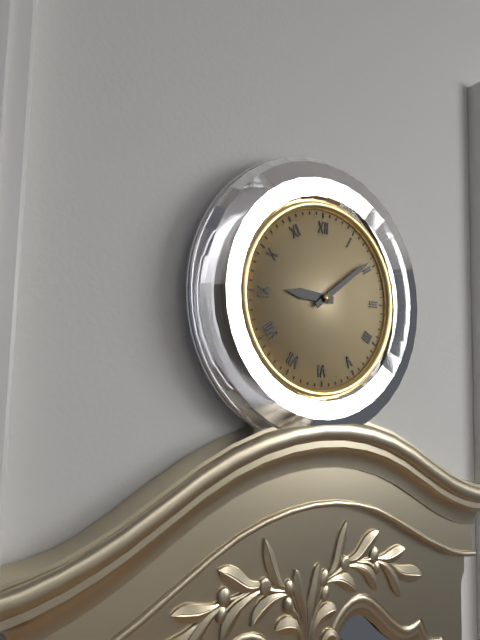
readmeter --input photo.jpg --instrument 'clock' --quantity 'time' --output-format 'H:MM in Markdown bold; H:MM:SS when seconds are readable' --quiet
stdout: **9:09**
